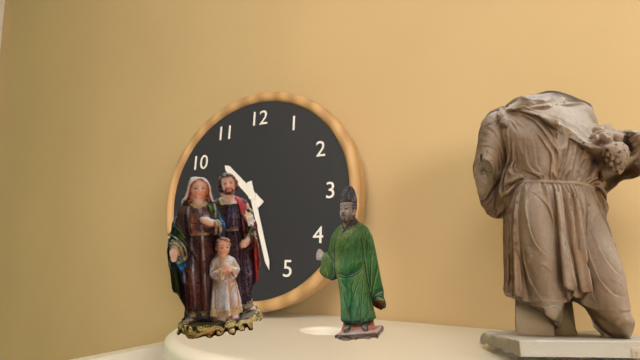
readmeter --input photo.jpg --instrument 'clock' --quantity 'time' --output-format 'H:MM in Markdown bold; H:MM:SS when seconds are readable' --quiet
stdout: **10:27**
